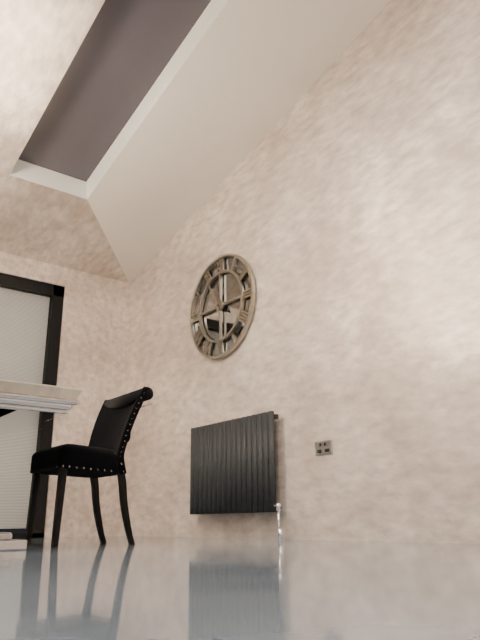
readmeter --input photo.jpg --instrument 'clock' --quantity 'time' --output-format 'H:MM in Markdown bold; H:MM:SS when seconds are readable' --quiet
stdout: **10:55**
